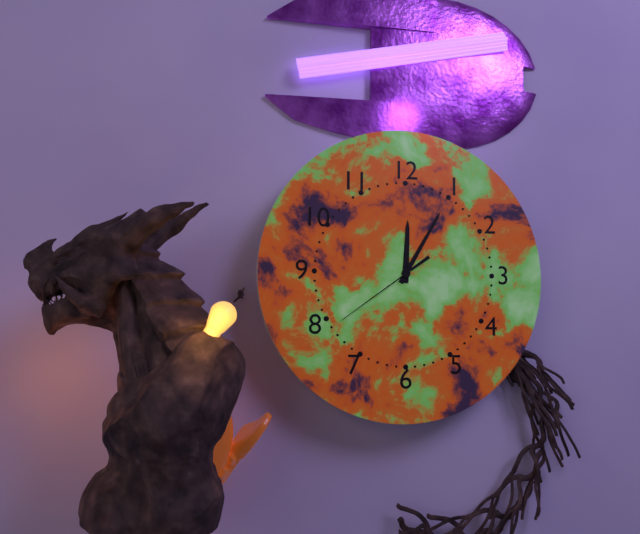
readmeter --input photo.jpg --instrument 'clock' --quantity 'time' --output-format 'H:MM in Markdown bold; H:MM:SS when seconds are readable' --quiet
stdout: **12:05:39**
